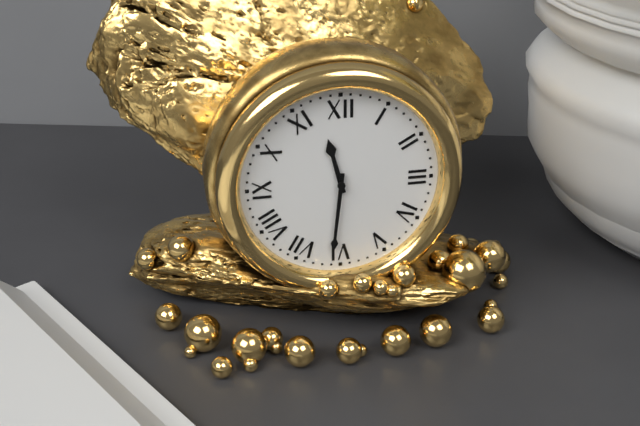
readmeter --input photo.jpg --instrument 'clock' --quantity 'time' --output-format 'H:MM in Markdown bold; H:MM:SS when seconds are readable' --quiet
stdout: **11:31**
